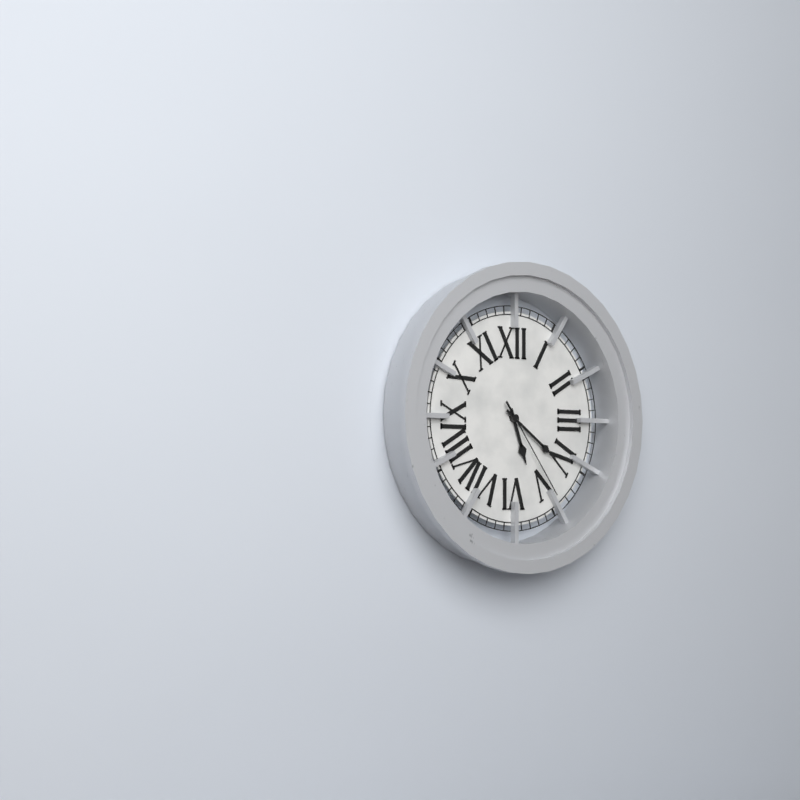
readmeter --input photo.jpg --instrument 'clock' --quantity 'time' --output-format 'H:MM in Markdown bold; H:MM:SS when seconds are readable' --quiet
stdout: **5:21:24**
